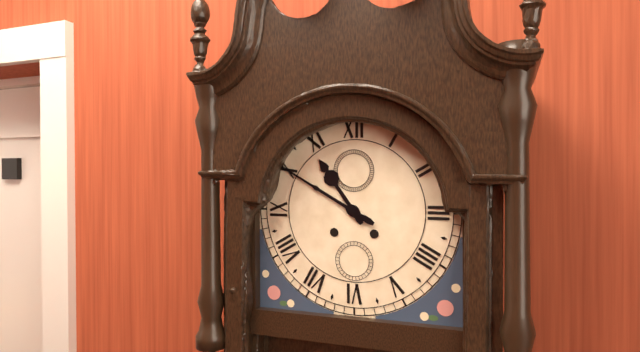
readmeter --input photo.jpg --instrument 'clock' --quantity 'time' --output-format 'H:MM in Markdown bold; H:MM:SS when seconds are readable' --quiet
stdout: **10:50**
